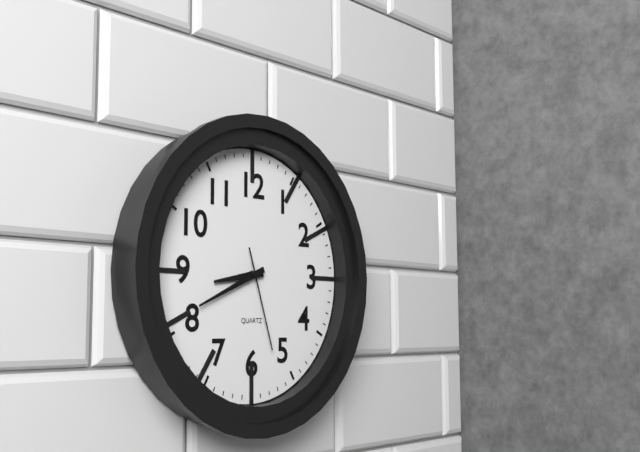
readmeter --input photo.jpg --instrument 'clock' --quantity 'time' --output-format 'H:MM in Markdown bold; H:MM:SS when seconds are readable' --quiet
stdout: **8:41:27**
